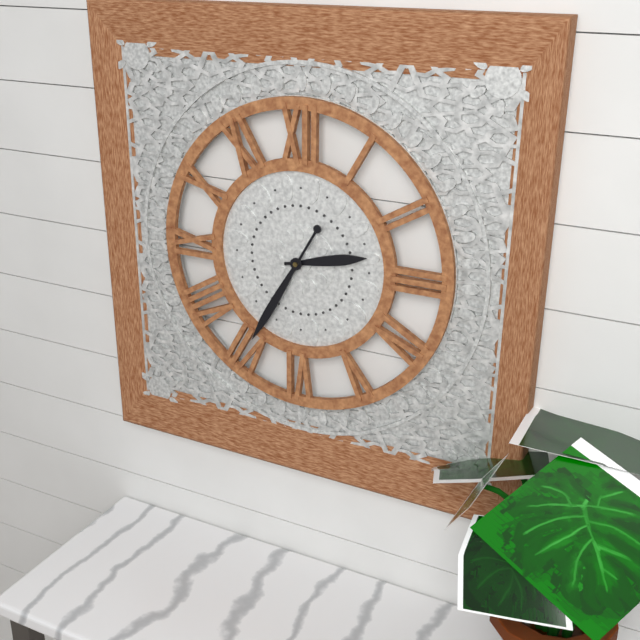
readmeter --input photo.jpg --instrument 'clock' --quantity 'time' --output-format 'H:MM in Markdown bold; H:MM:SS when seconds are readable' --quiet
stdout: **2:35**
